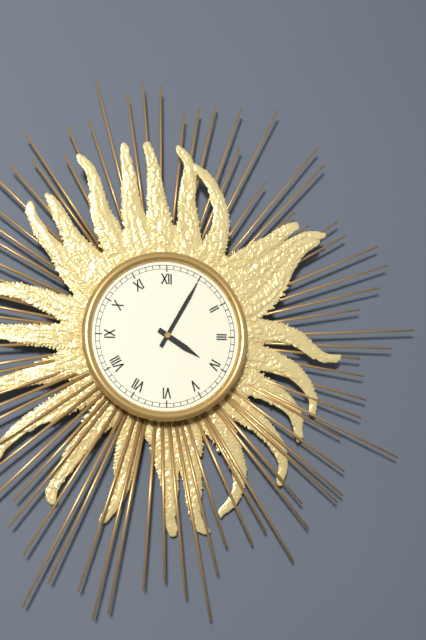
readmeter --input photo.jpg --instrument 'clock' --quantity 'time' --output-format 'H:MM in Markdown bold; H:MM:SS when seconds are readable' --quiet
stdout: **4:05**
